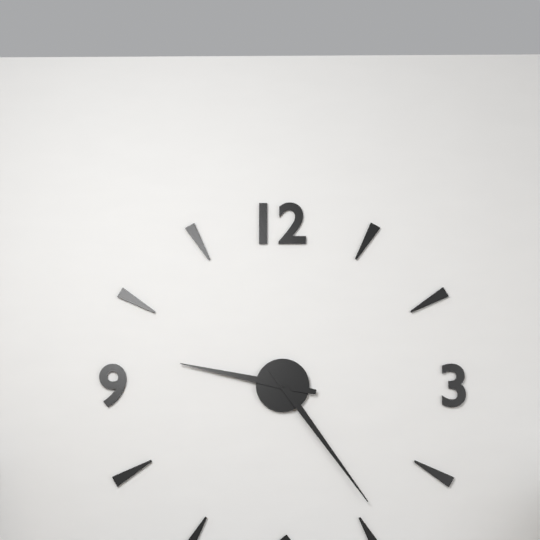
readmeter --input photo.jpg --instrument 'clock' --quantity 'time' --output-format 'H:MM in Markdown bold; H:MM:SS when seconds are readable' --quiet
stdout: **9:24**
